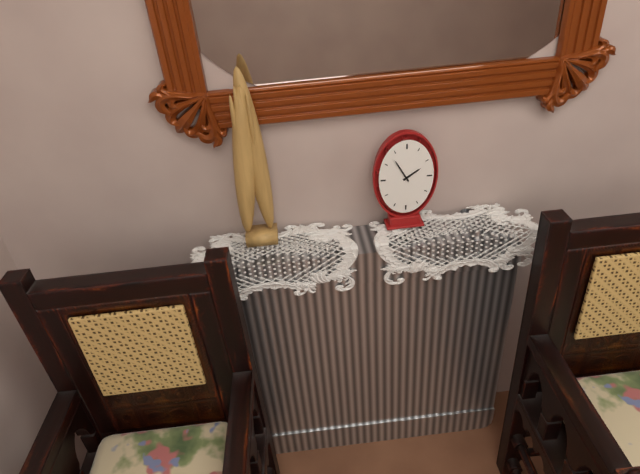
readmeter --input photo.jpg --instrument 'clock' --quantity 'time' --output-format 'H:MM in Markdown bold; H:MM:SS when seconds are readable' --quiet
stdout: **1:55**
